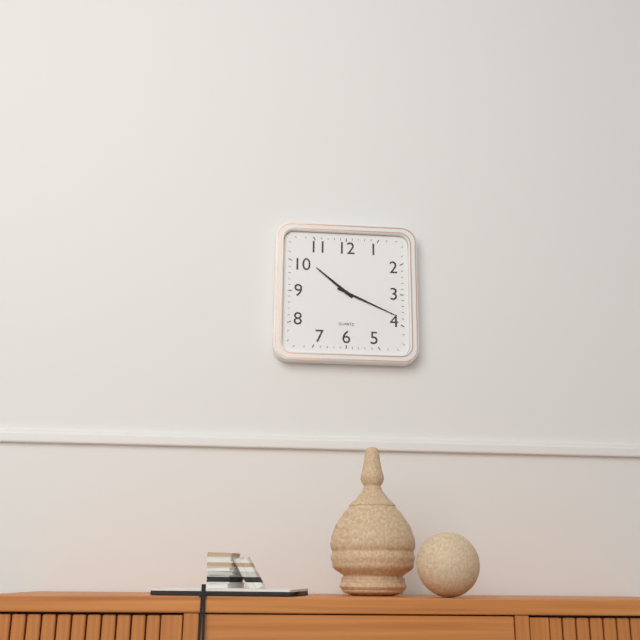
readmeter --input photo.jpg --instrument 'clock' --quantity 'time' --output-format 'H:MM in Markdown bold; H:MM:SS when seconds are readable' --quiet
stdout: **10:19**
